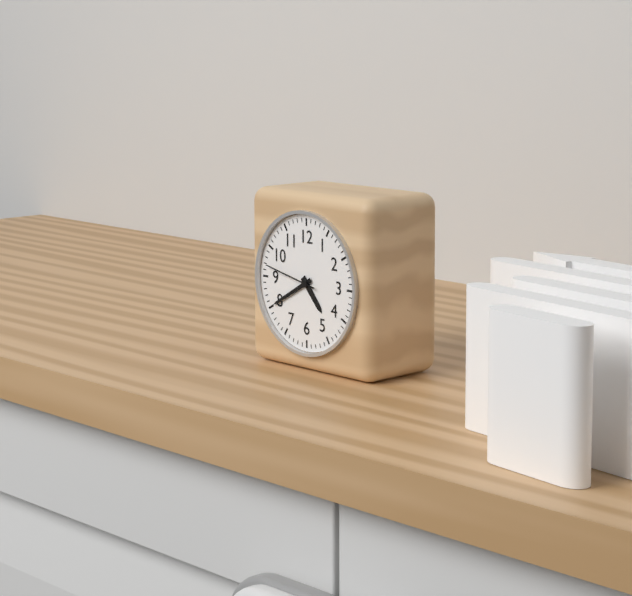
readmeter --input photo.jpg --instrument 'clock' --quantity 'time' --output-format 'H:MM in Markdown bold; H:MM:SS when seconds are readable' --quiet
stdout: **4:40:47**
